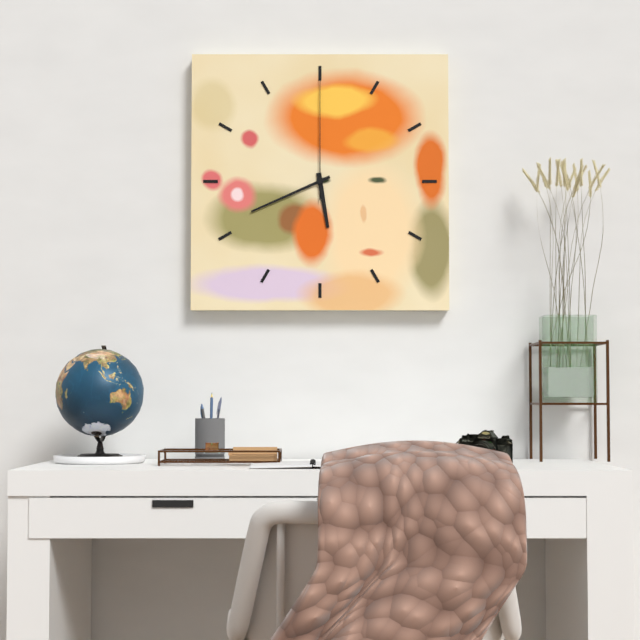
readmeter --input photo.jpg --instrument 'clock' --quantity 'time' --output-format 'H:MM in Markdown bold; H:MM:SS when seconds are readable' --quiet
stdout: **5:41:00**
